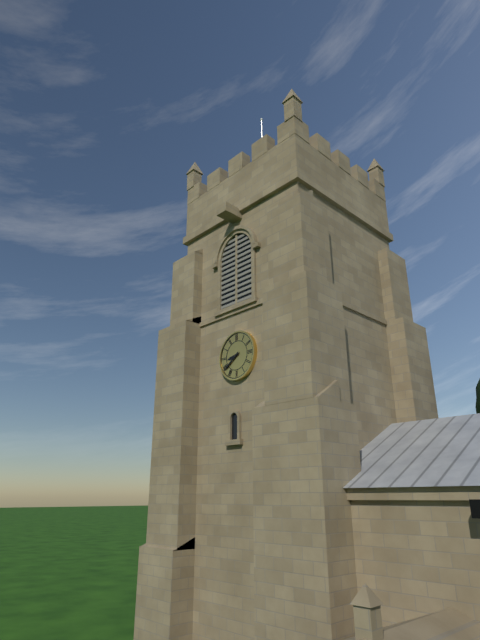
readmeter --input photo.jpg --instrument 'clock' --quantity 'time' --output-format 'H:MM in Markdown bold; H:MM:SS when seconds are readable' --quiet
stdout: **8:39**
